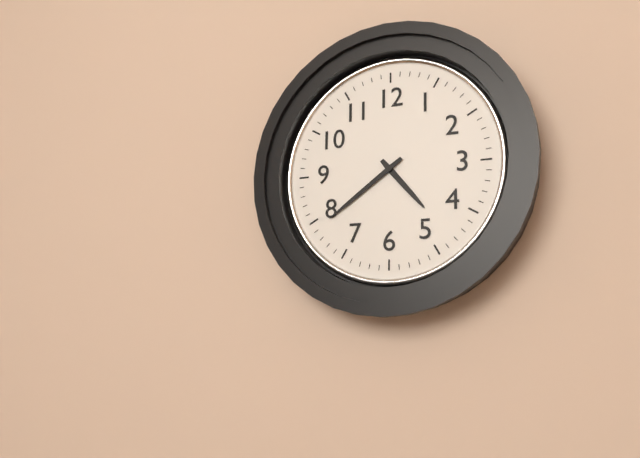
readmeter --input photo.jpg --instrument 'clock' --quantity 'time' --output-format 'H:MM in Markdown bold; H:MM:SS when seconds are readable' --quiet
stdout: **4:39**
